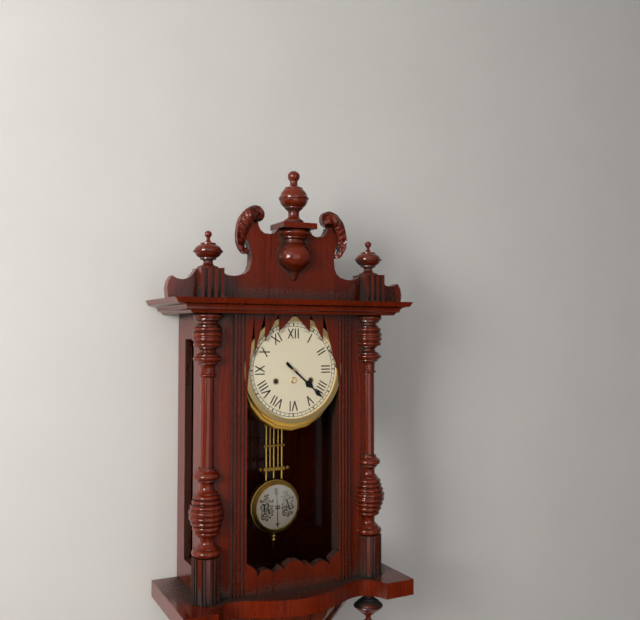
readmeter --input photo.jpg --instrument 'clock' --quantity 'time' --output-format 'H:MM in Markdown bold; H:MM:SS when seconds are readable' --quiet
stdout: **4:22**
